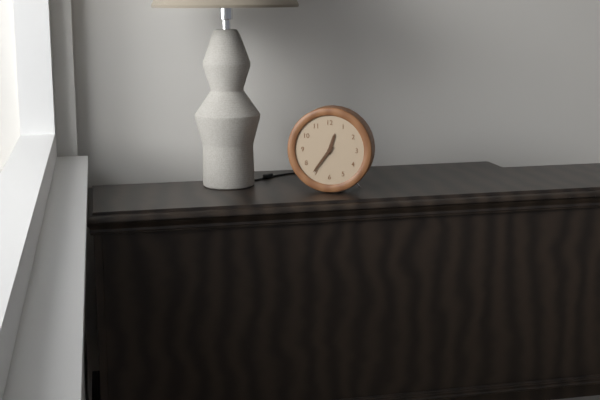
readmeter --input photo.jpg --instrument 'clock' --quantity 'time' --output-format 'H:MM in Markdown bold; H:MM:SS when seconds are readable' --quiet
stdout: **12:36**
